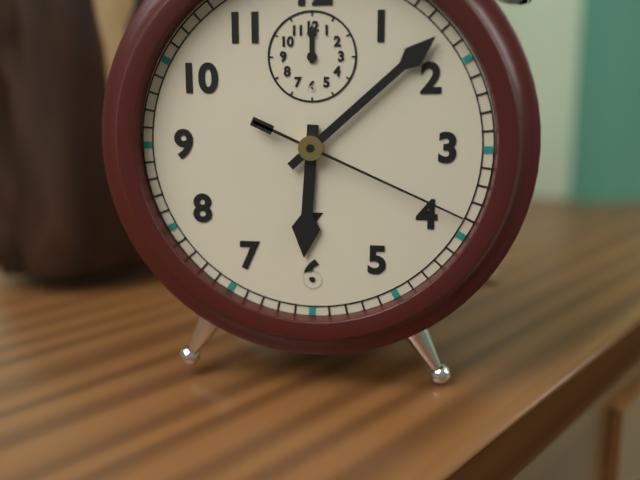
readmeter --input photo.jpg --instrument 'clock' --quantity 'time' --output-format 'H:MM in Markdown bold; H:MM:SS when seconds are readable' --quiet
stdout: **6:08:19**
